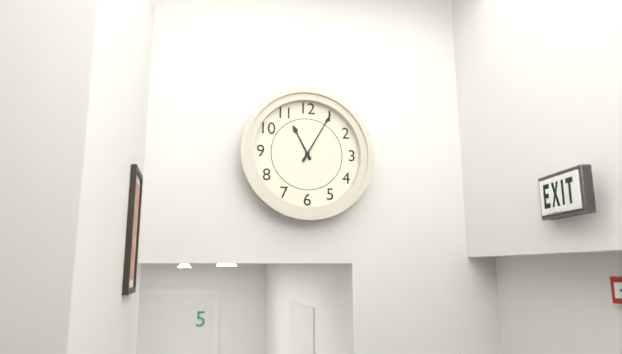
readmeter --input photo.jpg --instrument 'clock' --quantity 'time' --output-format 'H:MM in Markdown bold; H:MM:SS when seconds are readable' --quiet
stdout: **11:05**
